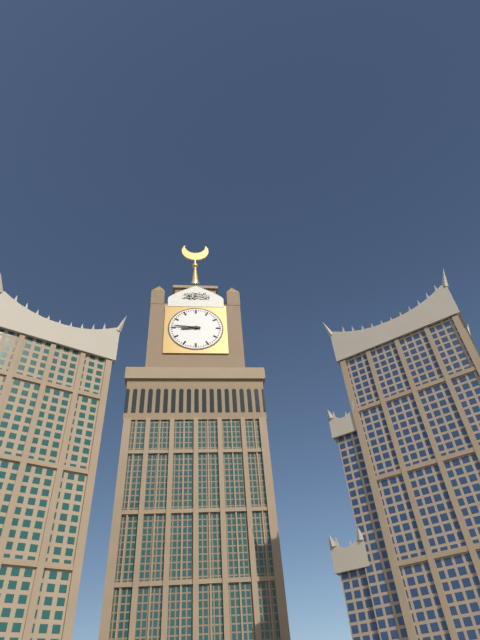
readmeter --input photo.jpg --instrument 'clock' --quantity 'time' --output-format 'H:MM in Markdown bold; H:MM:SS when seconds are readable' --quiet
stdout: **8:46**
